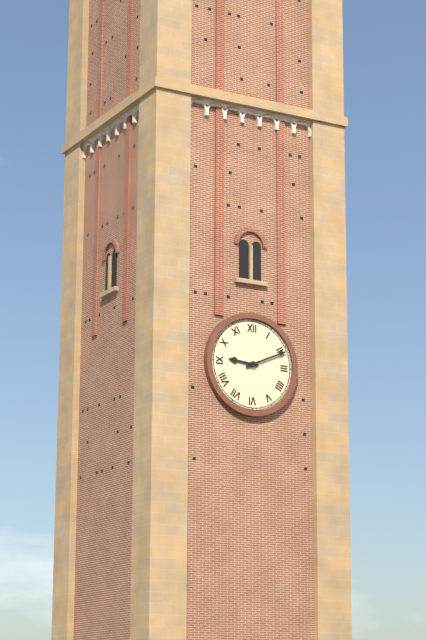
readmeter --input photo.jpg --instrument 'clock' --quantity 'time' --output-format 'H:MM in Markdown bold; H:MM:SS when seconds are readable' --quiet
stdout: **9:11**
